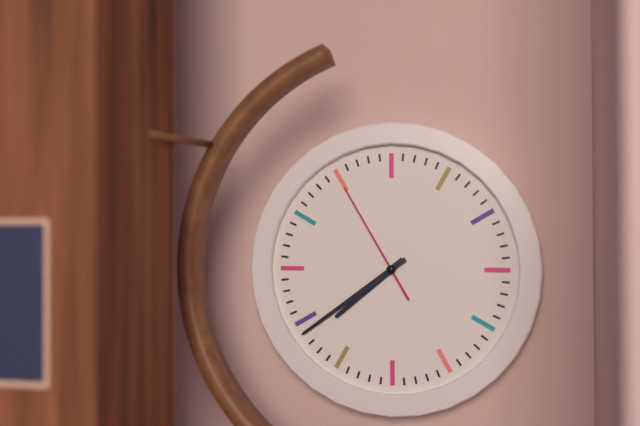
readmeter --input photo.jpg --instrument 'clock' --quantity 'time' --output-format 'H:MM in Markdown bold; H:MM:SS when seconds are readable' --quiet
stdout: **7:39:55**
